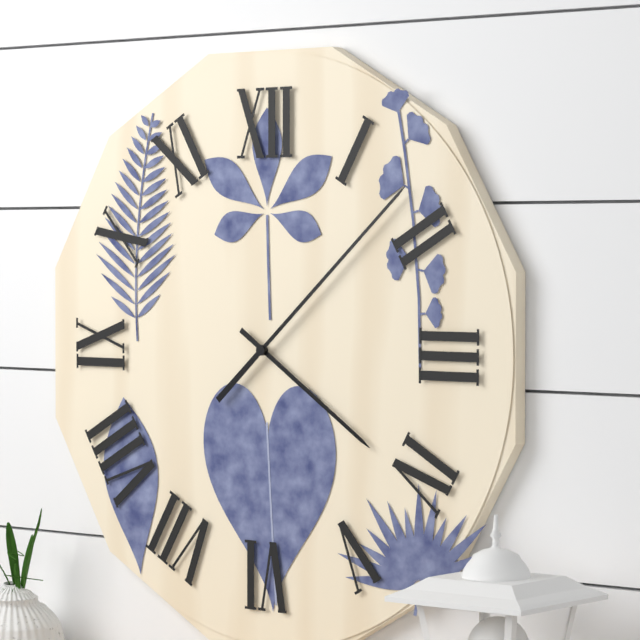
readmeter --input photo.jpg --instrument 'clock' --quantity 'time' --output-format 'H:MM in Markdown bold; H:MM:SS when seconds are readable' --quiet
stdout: **4:08**
